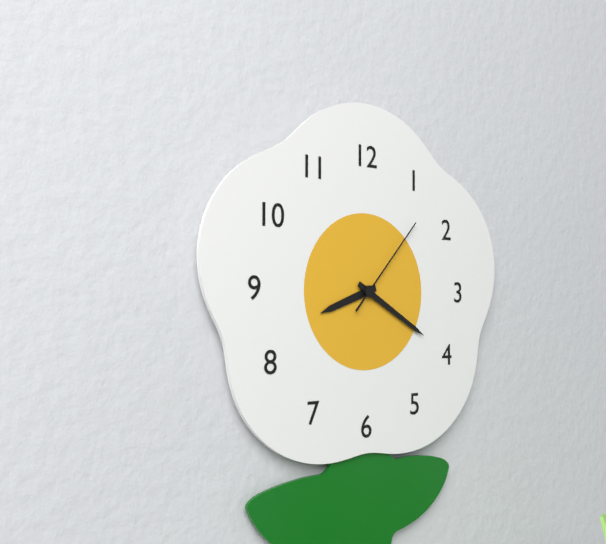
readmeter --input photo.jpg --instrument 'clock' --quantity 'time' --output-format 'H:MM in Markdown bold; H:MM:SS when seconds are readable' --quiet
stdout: **8:20:07**
